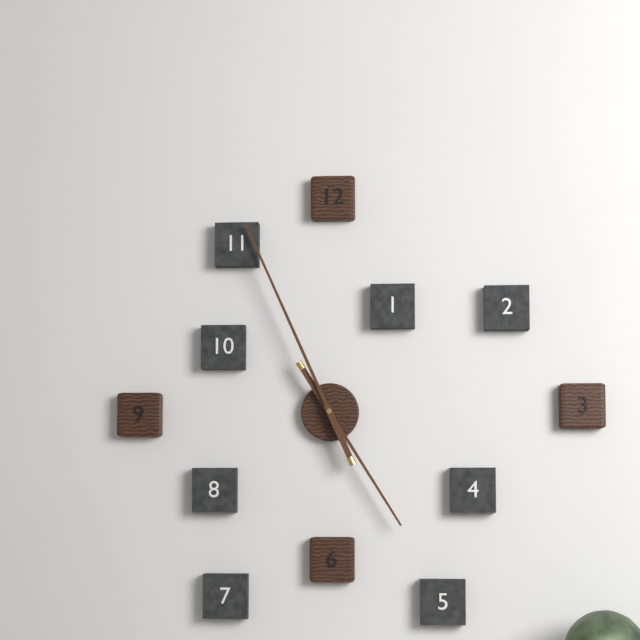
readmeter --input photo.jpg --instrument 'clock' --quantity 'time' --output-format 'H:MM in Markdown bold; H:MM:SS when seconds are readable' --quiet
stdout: **4:56**
